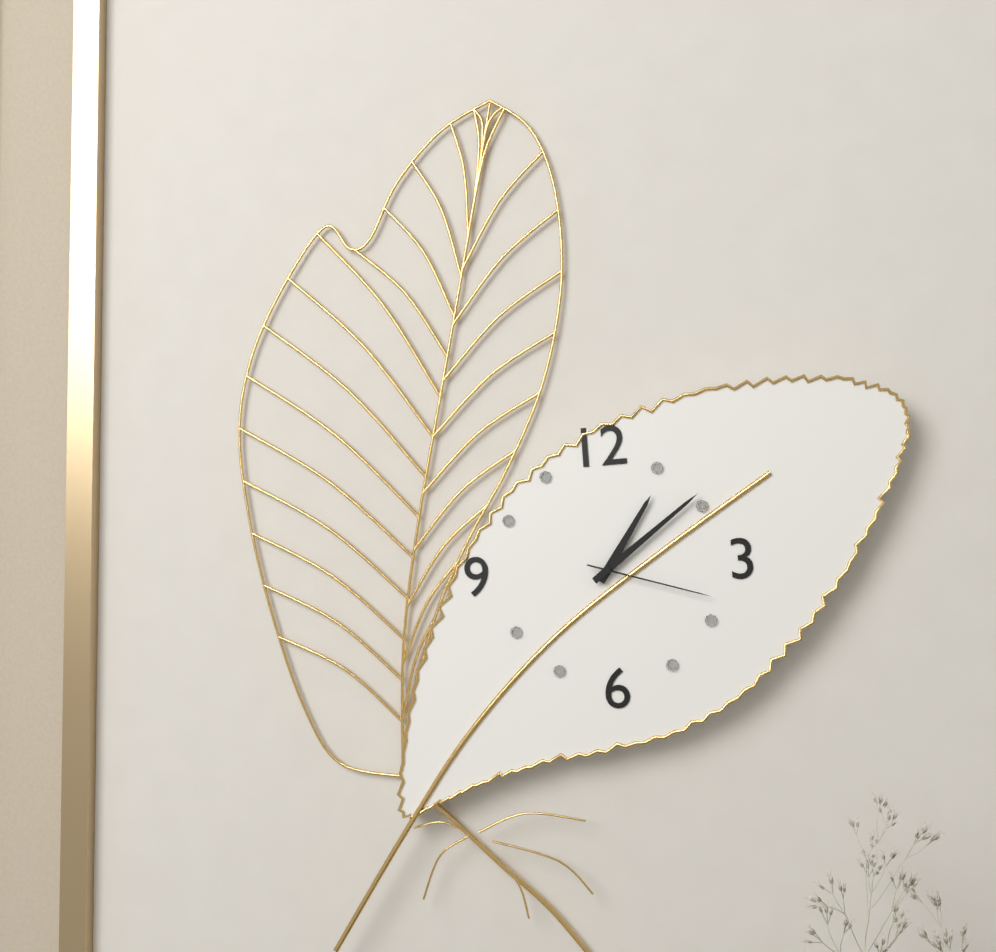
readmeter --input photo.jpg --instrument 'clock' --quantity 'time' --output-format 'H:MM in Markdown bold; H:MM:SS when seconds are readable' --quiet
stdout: **1:09:18**
